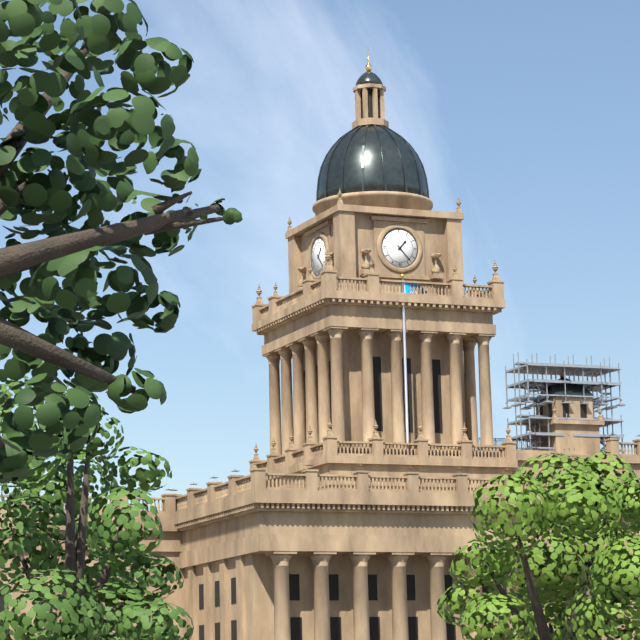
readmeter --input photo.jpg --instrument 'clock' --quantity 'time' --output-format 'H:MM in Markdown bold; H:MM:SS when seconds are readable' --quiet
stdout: **1:23**
